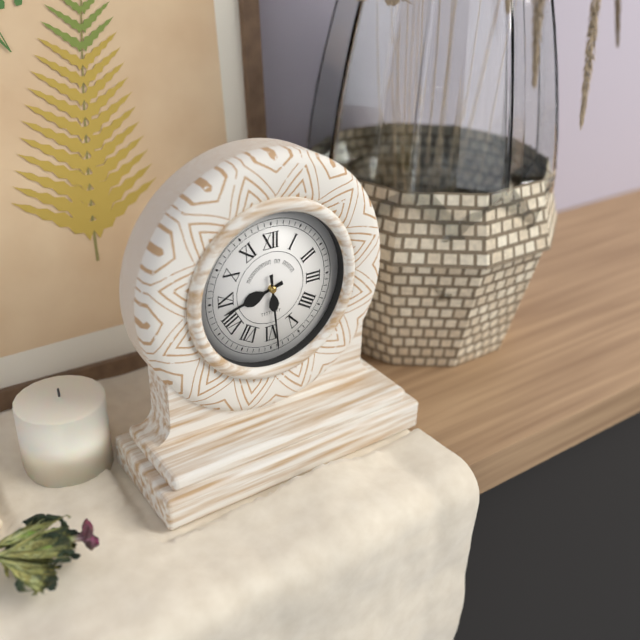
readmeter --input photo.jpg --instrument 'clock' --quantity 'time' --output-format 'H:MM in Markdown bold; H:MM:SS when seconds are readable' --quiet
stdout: **8:29**
